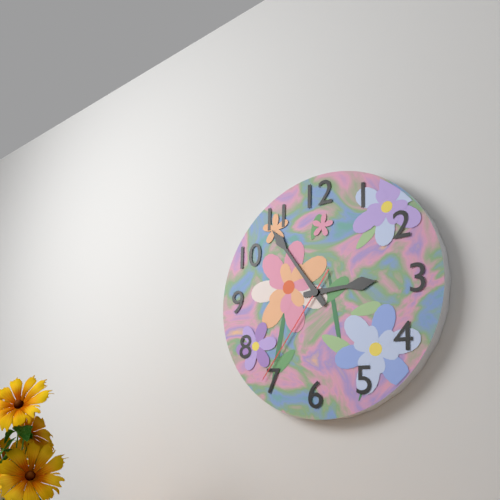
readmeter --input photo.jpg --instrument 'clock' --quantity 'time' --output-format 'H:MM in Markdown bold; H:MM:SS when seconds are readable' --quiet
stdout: **2:54:36**
